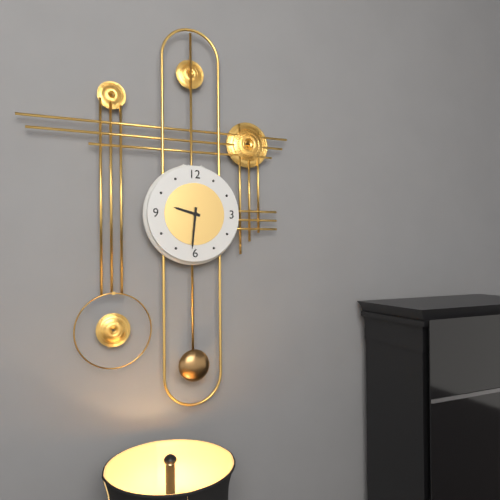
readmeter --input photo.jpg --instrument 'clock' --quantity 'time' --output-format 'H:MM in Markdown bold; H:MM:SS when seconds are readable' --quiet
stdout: **9:31**
